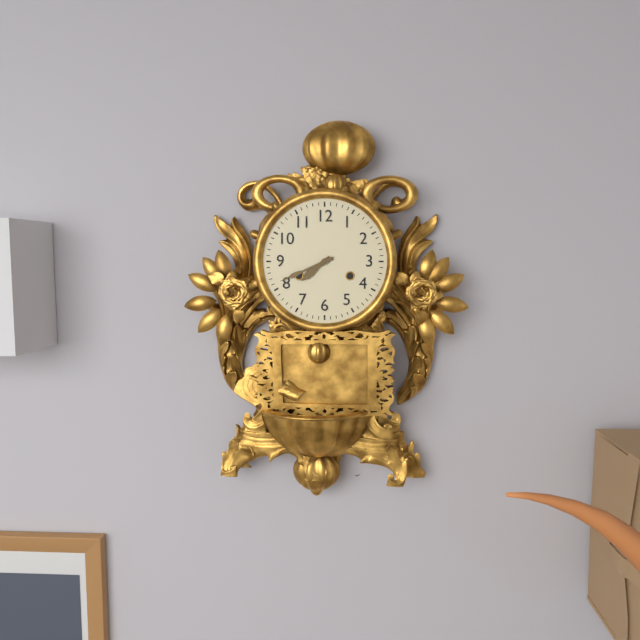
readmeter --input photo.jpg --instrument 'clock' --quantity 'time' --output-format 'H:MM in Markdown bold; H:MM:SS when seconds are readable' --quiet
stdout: **7:41**
